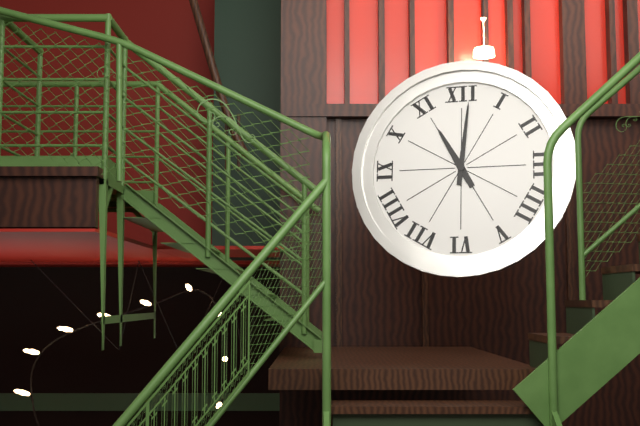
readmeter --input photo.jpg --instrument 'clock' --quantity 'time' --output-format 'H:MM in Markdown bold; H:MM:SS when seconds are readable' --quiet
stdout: **11:01**
